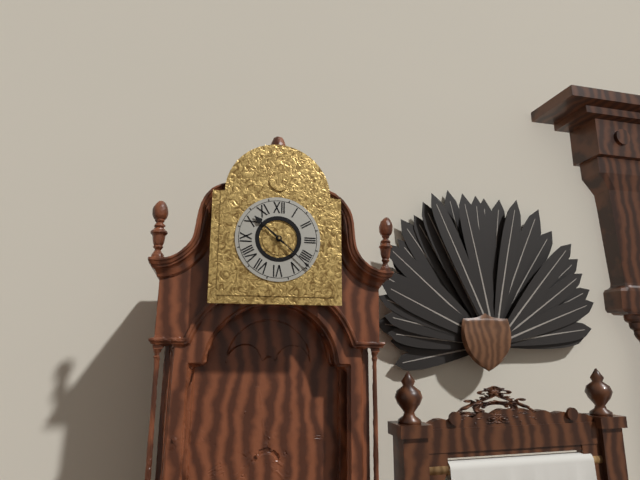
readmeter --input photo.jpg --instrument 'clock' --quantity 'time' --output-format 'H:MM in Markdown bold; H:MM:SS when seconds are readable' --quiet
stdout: **10:22**
